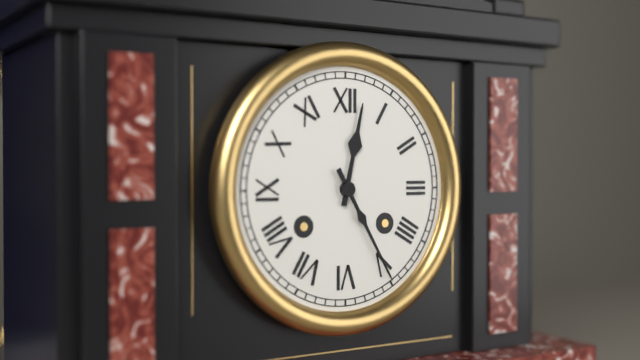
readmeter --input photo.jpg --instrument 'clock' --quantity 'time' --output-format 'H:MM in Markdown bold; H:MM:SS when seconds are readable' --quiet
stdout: **12:25**
